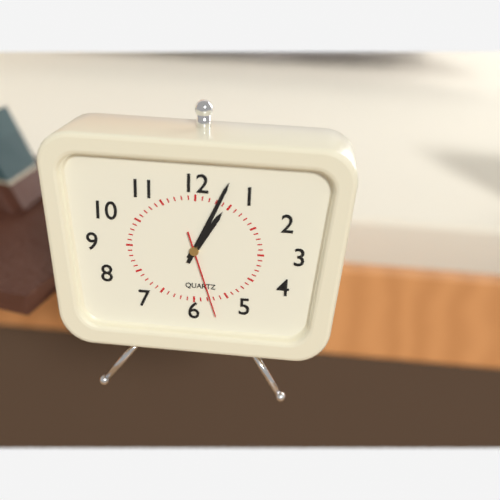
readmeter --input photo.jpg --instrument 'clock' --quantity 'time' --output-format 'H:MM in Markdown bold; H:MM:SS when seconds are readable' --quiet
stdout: **1:04:27**
